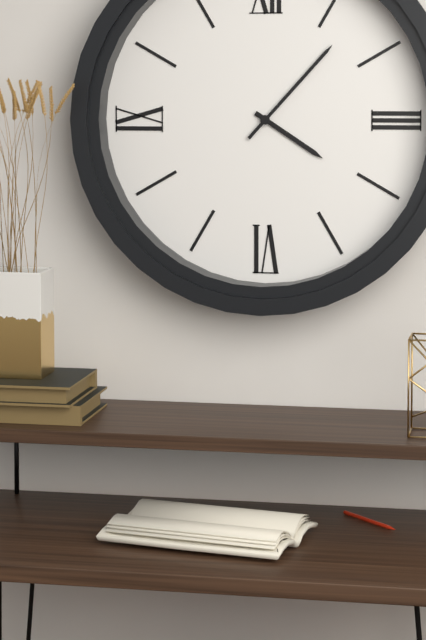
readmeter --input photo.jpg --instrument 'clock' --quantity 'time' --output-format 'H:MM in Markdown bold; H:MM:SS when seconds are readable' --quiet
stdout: **4:07**
